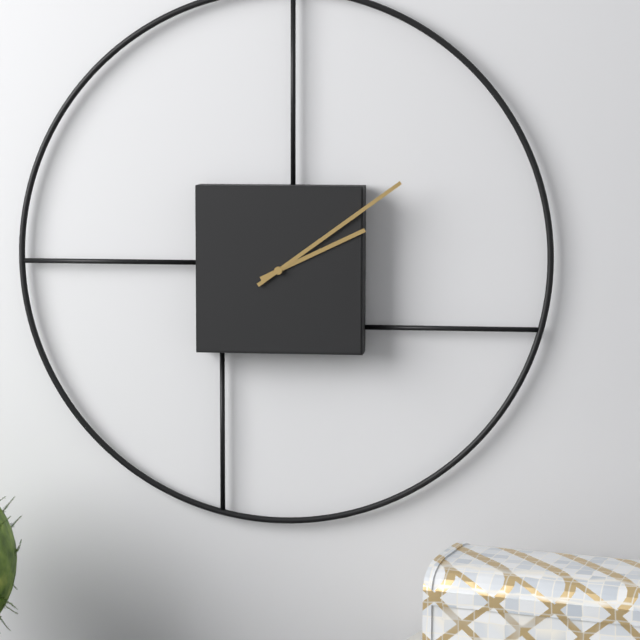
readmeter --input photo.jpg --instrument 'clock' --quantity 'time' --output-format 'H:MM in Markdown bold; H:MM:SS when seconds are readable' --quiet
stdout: **2:09**
